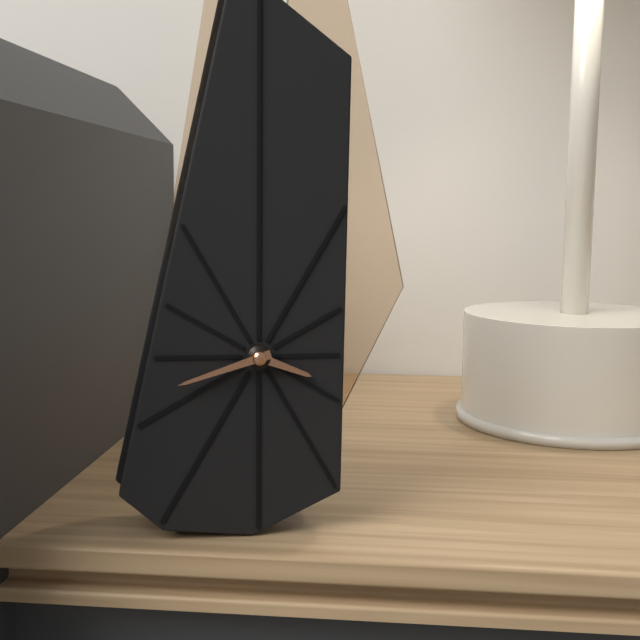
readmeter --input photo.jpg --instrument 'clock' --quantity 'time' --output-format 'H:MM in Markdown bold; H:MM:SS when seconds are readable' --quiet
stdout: **3:42**
